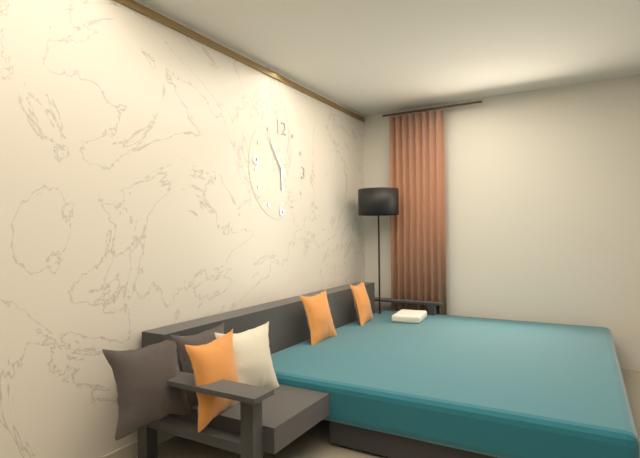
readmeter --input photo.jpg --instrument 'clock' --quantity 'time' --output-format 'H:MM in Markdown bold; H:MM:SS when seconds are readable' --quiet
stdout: **5:54**
